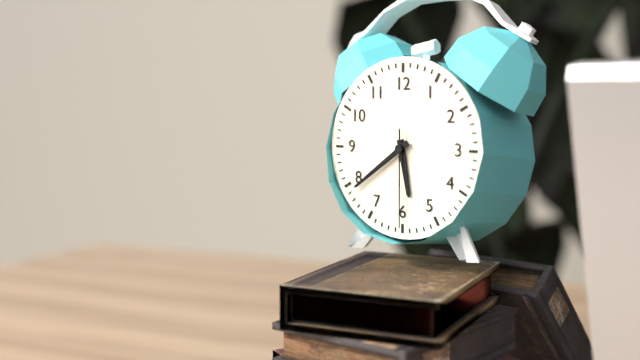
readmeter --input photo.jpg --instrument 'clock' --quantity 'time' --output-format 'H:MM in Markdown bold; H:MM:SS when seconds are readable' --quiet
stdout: **5:39:30**
